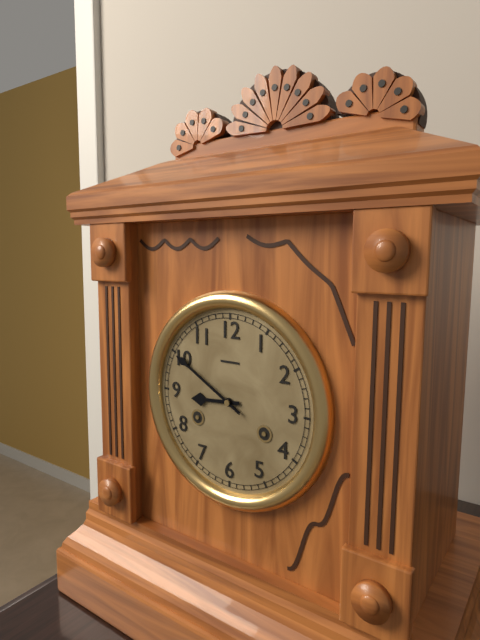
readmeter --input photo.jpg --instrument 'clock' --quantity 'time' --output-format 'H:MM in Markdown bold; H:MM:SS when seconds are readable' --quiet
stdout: **8:50**
